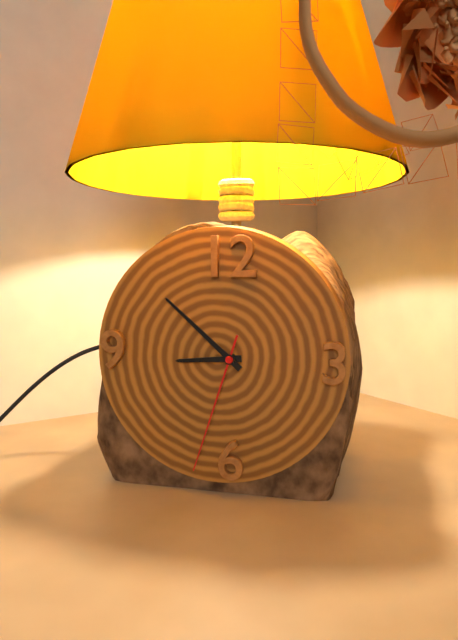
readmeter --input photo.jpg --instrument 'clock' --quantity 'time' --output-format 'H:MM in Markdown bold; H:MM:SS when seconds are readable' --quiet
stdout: **8:52:33**
